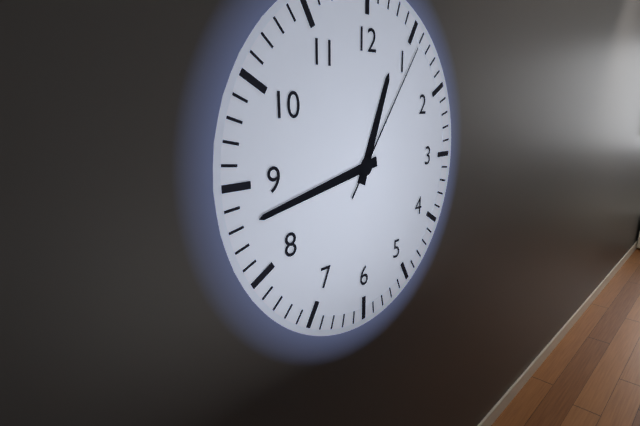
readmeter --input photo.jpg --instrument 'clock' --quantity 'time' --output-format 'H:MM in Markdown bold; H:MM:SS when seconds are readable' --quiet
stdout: **12:43:06**
